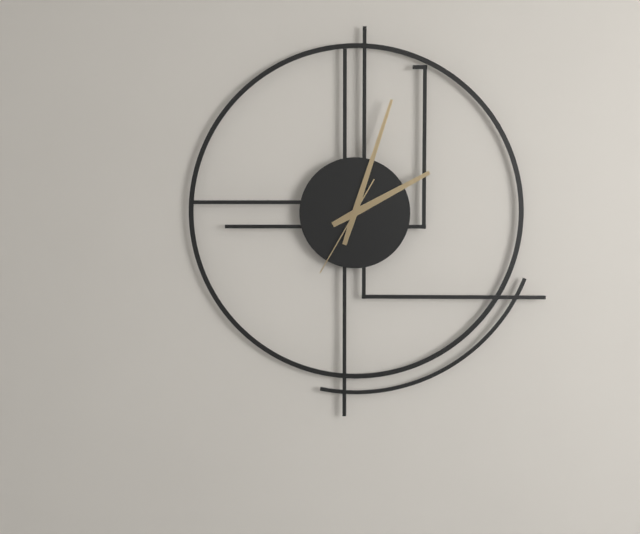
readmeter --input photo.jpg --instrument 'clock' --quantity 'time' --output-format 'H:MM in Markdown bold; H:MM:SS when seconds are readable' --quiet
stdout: **2:03:35**
